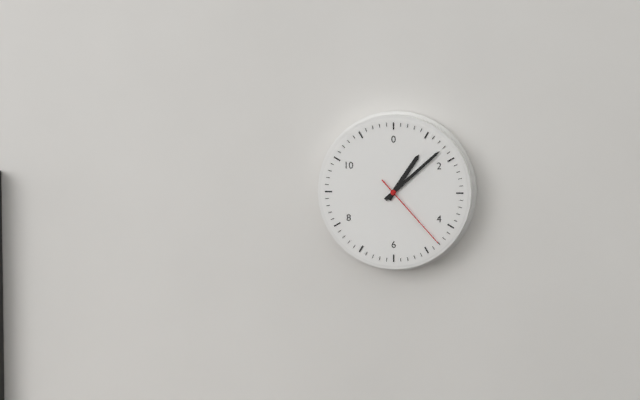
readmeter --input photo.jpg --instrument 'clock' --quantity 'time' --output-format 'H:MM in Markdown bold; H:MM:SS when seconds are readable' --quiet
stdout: **1:08:23**
